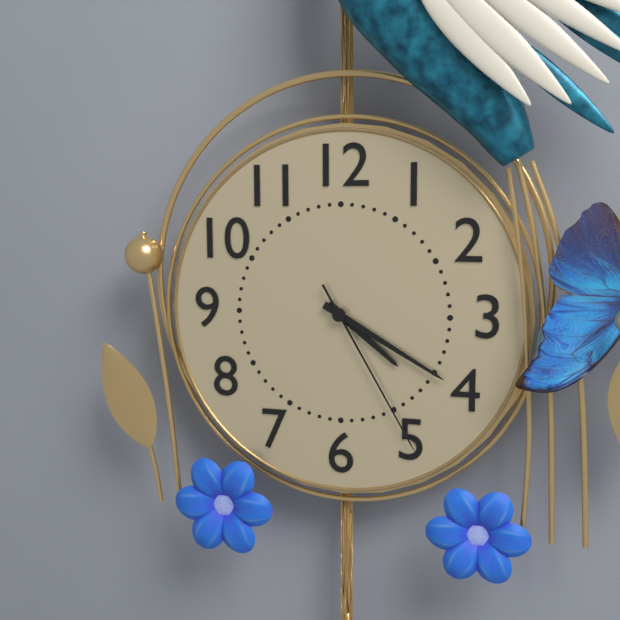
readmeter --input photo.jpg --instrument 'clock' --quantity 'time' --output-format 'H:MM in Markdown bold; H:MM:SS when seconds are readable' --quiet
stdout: **4:20:25**
